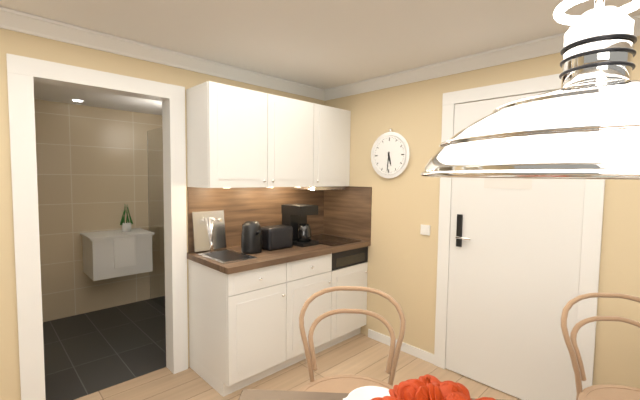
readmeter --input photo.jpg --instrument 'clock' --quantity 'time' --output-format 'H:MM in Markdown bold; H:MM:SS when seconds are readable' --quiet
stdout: **5:31**
